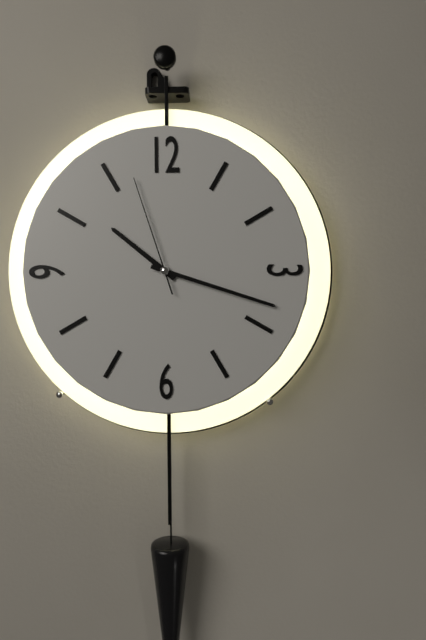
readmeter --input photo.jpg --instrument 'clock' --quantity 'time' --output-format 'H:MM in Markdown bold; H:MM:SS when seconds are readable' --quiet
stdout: **10:18:57**
